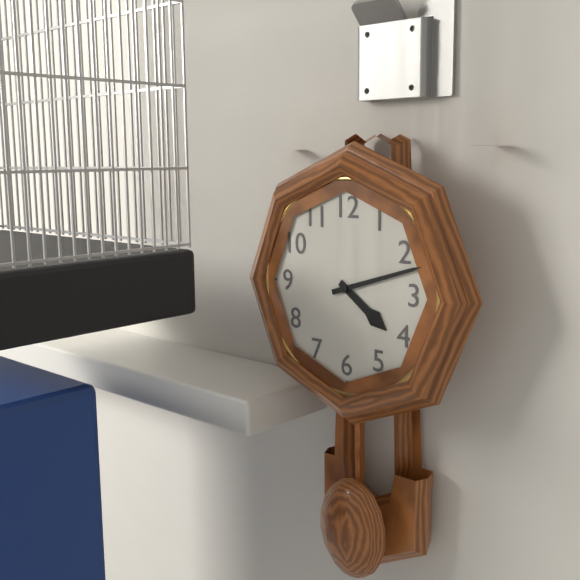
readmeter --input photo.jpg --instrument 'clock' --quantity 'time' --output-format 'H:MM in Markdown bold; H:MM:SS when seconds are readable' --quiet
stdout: **4:12**
